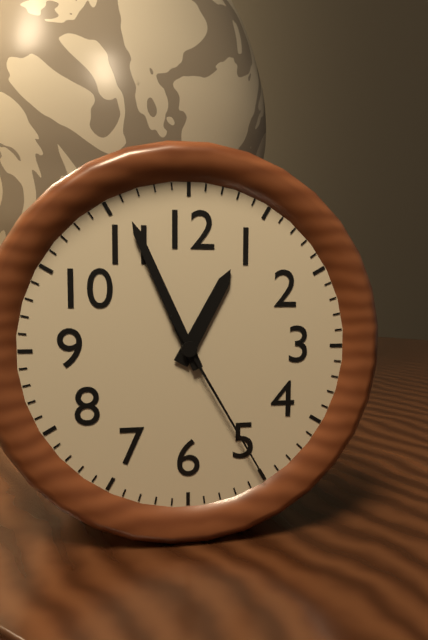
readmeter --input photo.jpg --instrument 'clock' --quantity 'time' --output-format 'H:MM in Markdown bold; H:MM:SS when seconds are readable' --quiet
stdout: **12:56:25**
